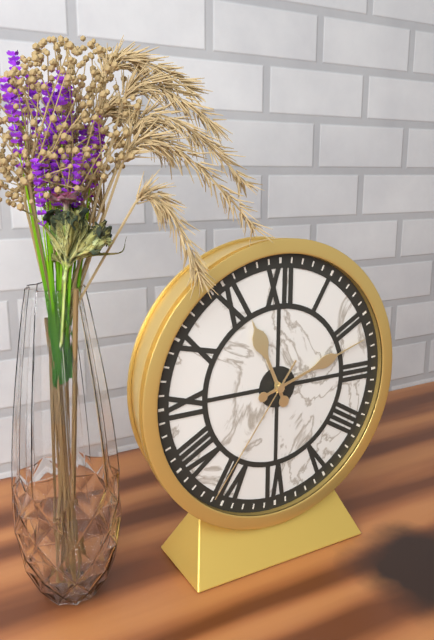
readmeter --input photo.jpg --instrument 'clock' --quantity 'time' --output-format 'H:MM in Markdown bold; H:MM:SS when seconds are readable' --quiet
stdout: **11:12:36**
